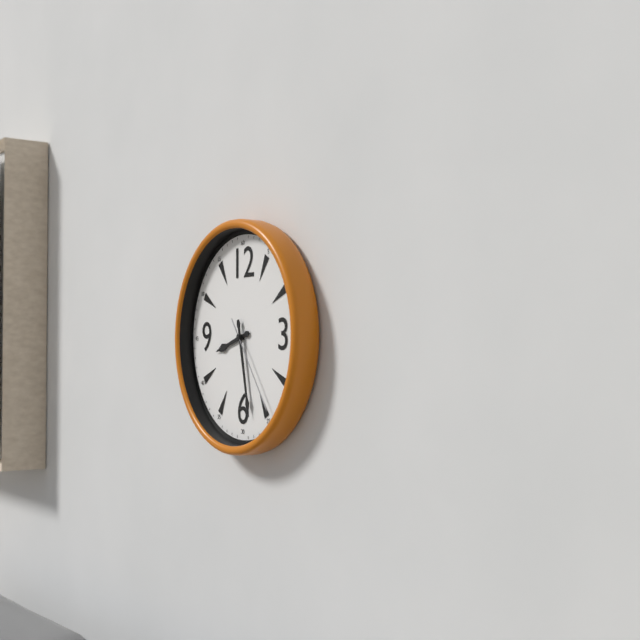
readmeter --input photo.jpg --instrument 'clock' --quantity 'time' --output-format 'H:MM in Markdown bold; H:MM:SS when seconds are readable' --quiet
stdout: **8:28:24**
